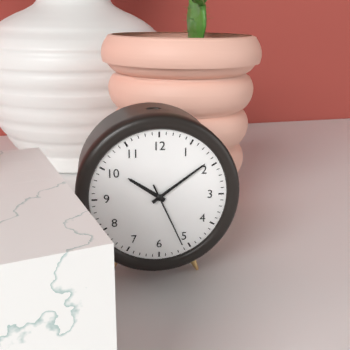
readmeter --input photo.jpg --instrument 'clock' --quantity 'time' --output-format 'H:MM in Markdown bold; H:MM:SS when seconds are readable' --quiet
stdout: **10:09:26**
